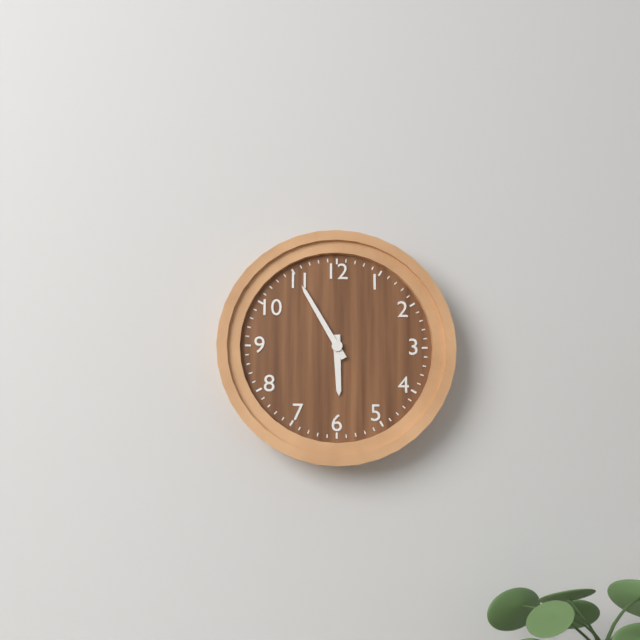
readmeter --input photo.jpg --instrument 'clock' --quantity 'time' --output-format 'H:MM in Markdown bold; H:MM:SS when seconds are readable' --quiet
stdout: **5:55**
